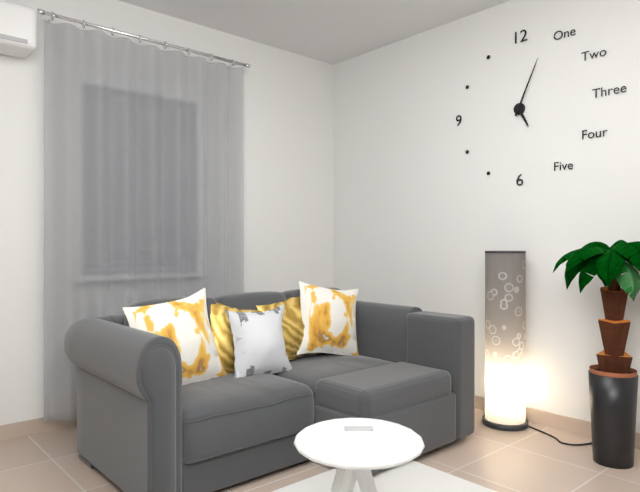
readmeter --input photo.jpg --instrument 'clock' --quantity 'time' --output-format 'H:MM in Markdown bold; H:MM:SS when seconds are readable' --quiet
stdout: **5:04**
